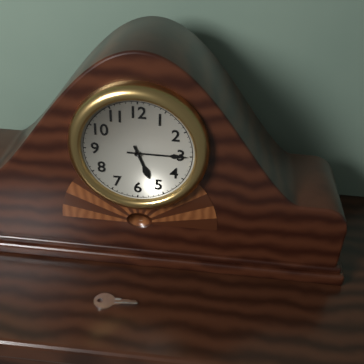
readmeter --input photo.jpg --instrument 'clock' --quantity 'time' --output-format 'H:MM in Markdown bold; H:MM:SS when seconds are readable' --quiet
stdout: **5:15**
